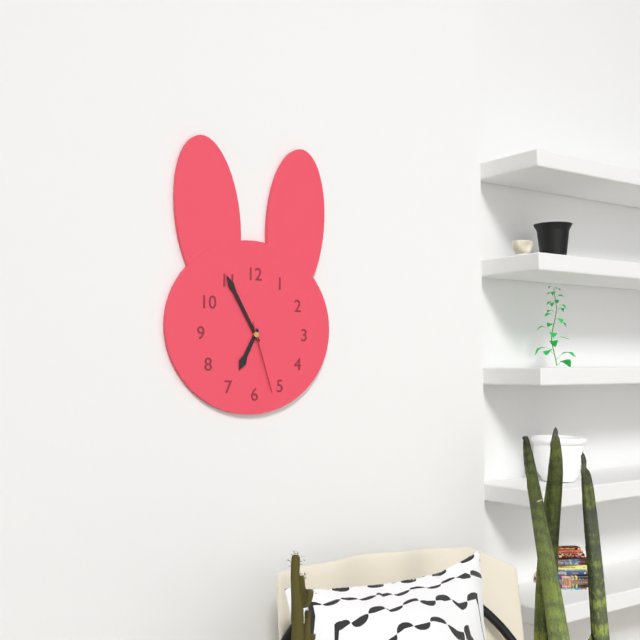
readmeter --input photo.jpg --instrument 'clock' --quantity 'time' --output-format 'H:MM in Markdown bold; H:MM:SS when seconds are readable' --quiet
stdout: **6:55:27**
